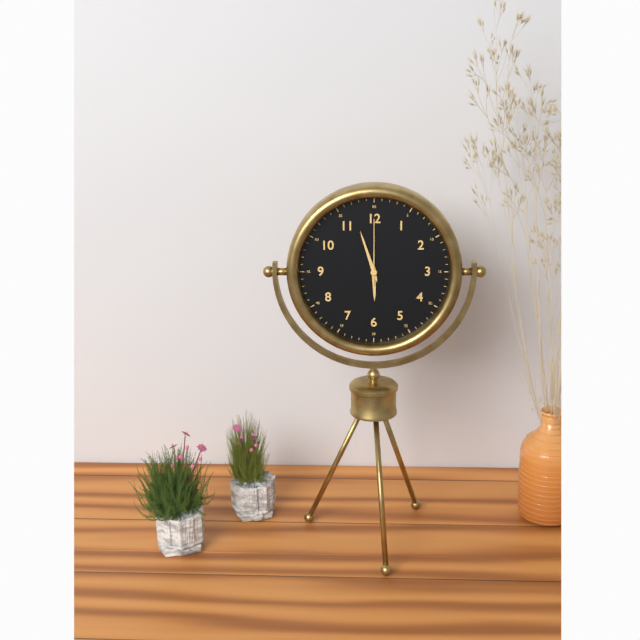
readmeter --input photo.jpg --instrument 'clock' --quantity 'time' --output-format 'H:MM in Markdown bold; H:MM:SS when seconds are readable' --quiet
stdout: **5:57:00**
